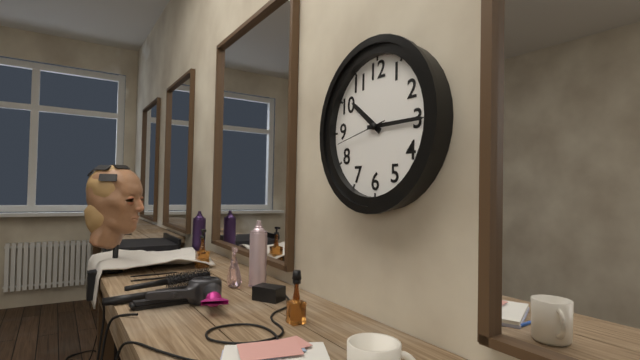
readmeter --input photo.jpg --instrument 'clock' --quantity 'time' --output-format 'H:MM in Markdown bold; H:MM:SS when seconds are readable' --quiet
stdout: **10:15:43**
